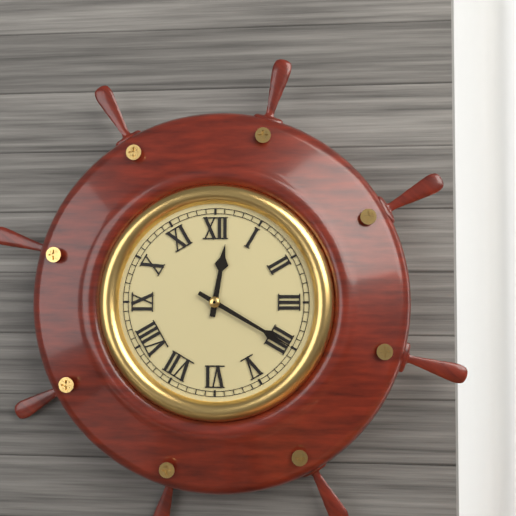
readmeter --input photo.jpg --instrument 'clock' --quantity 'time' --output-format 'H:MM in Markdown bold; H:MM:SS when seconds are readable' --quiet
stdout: **12:20**
